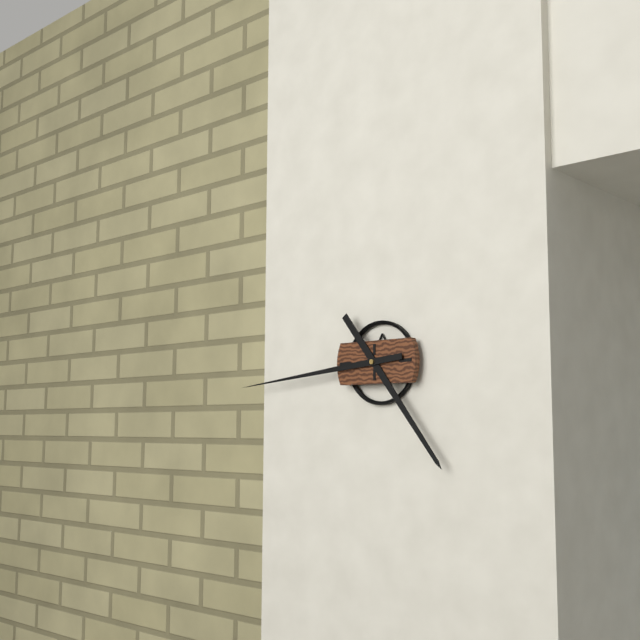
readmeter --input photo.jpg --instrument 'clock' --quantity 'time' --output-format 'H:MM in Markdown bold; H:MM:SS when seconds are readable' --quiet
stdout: **4:44**
